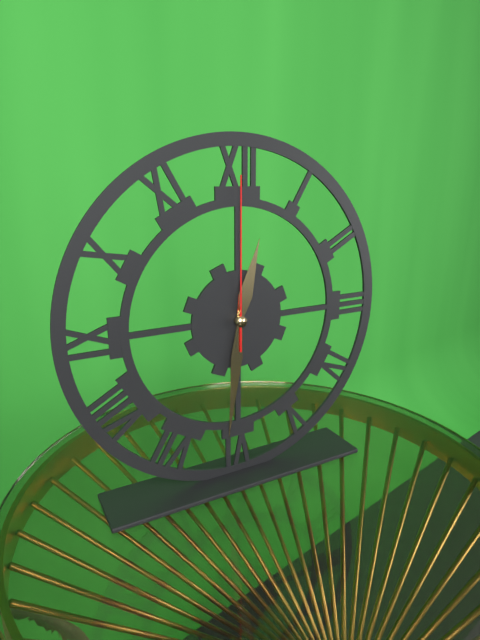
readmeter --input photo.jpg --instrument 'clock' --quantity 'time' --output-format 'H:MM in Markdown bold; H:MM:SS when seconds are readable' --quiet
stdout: **12:31:00**
